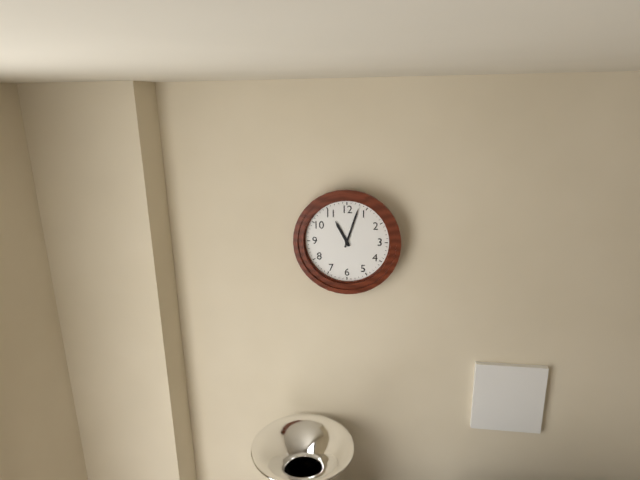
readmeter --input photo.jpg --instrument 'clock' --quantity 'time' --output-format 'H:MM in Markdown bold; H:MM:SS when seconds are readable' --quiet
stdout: **11:03**
